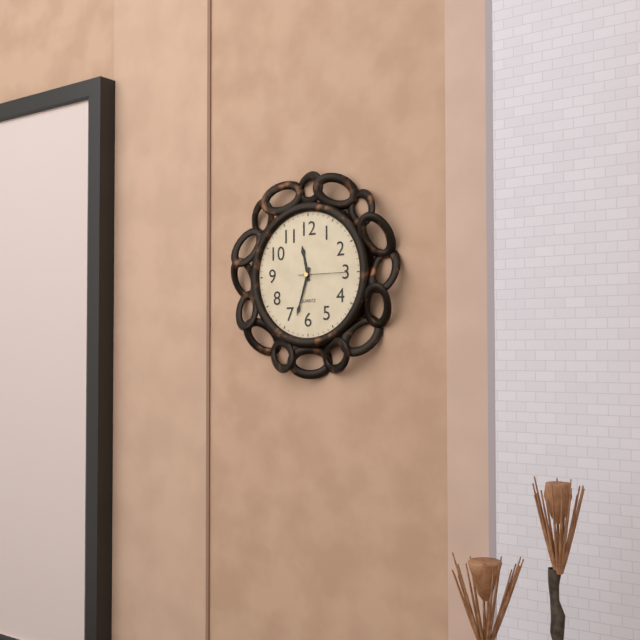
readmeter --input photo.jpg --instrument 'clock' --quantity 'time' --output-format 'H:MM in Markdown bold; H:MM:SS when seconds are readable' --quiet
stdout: **11:33**
